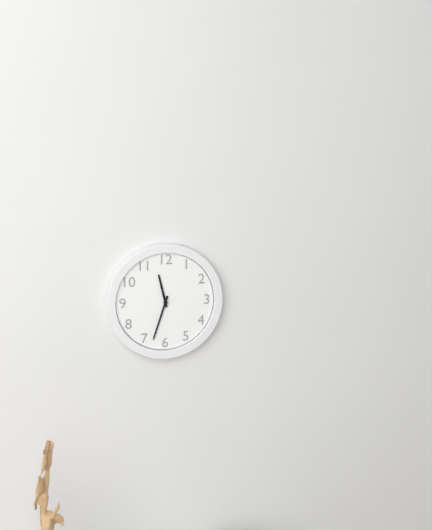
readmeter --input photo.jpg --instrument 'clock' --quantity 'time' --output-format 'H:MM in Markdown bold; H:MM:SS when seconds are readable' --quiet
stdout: **11:33**
